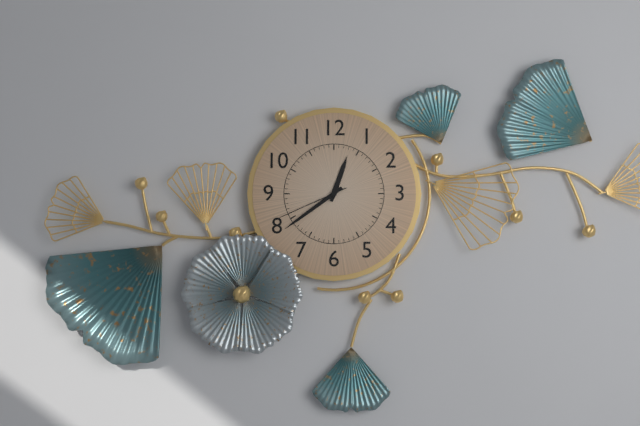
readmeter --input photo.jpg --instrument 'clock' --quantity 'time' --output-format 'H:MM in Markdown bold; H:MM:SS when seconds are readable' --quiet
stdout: **12:39:41**
